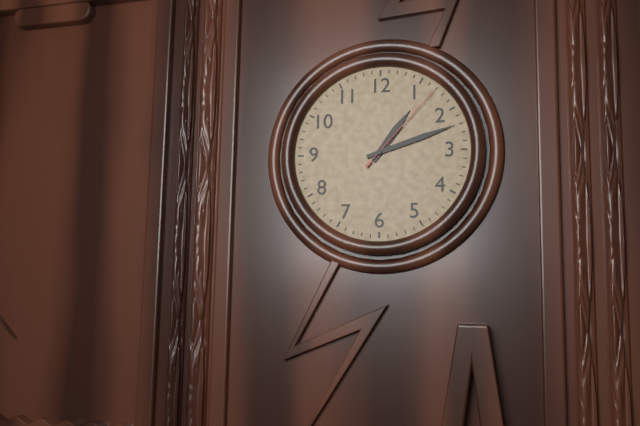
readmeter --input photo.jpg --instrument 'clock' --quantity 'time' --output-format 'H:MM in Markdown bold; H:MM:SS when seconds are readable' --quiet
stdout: **1:12:07**
